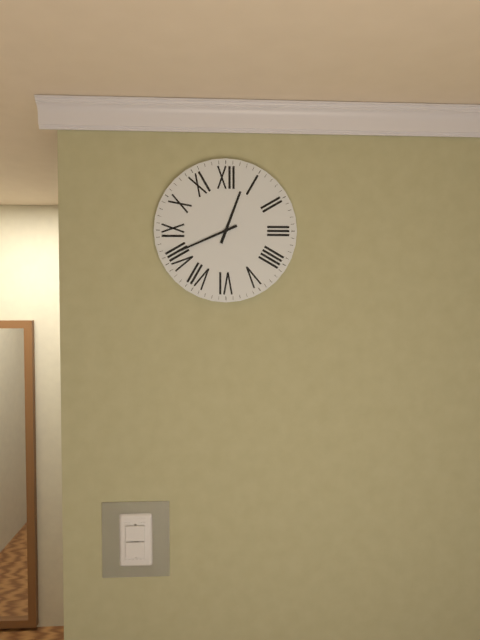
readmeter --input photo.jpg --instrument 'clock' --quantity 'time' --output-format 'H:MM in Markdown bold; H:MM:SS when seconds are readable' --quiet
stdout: **12:41**
